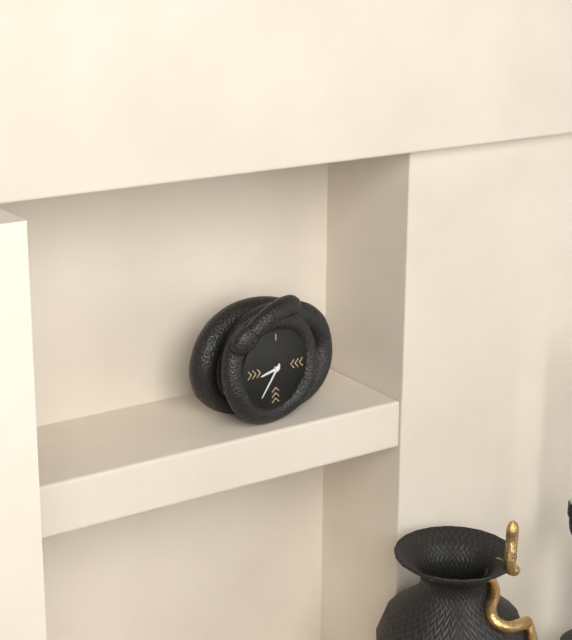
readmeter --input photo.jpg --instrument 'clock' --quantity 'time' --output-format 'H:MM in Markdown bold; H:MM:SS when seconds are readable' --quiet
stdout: **8:36**
